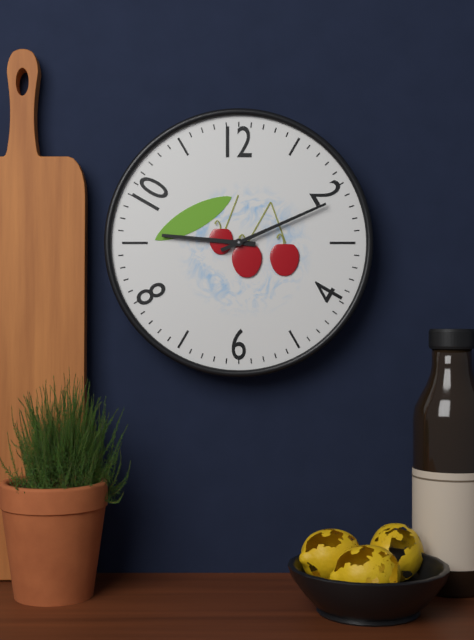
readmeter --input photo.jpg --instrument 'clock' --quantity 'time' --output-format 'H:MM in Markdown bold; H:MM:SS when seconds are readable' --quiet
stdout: **9:11**
